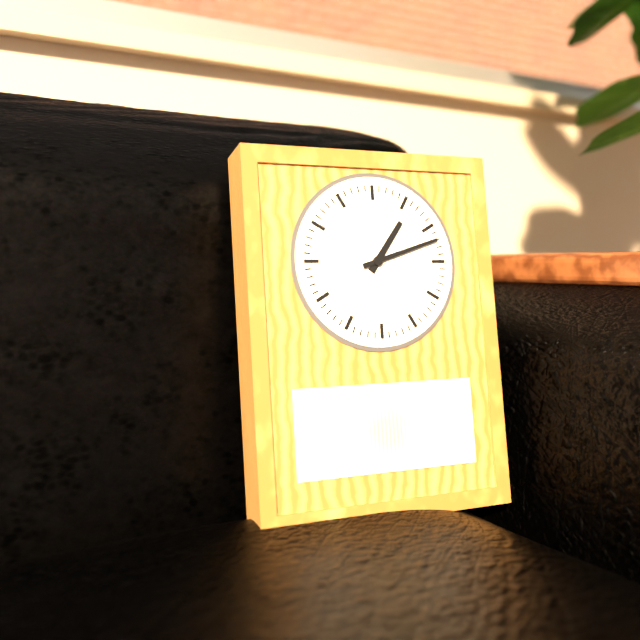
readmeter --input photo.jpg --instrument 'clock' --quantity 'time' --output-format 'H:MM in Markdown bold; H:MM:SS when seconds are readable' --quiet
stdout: **1:12**
